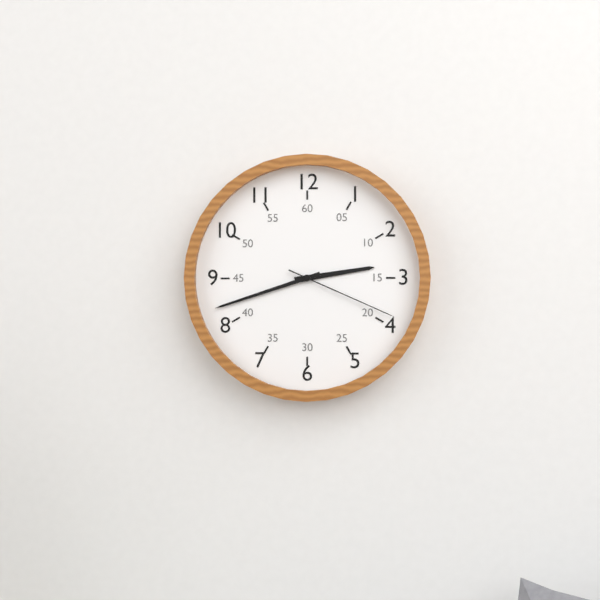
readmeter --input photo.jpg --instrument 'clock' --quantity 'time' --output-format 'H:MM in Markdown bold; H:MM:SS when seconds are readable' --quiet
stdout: **2:42:19**
